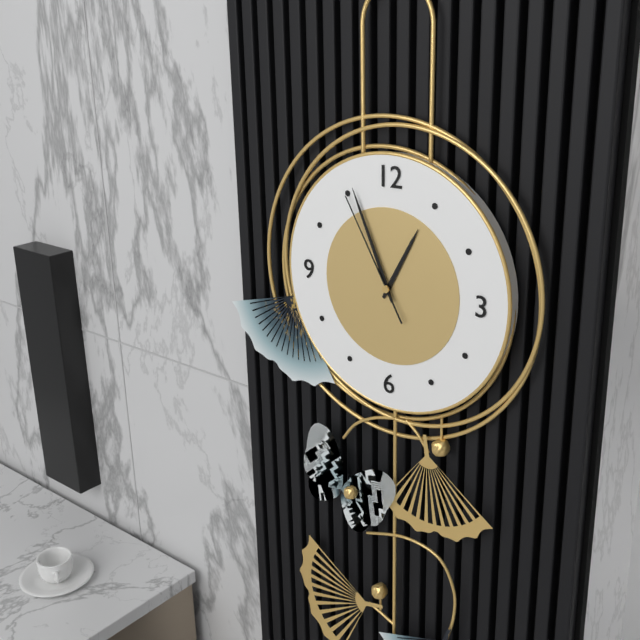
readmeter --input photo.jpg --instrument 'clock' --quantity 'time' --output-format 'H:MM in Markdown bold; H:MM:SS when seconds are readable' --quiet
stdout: **12:56:55**
